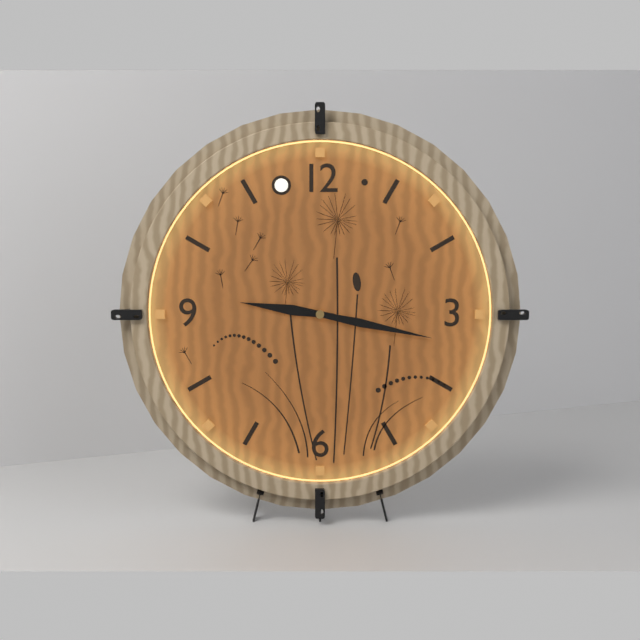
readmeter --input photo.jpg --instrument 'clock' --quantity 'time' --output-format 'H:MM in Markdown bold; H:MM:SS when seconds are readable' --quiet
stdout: **9:17**
